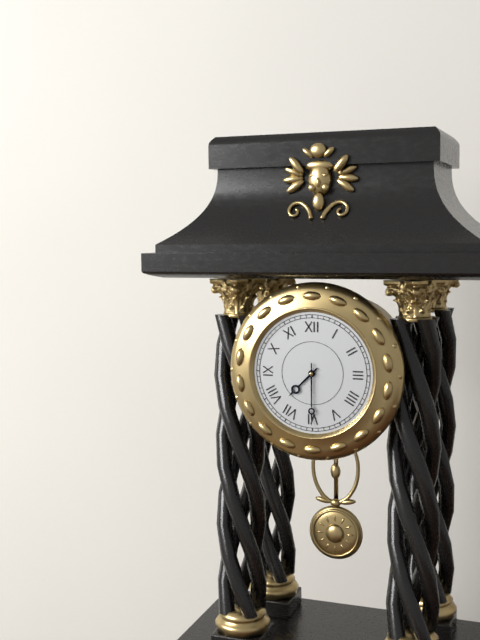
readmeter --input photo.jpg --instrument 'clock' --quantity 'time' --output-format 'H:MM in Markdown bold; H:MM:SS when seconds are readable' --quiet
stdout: **7:30**
